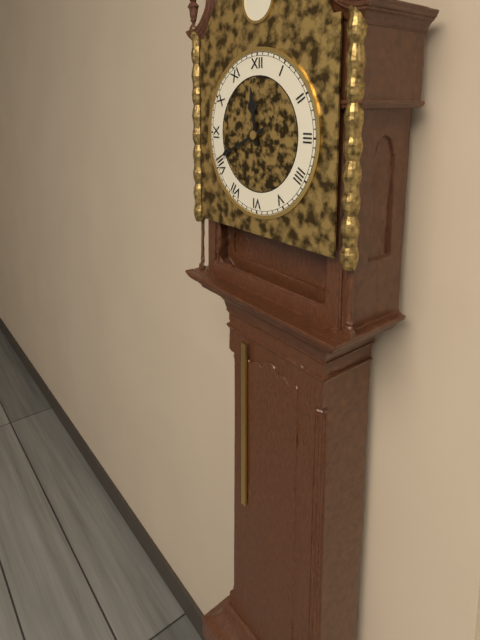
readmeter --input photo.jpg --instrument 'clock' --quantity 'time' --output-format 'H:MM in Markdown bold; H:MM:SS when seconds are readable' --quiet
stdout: **11:41**
